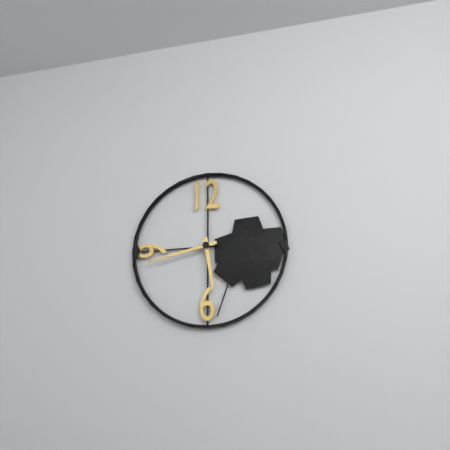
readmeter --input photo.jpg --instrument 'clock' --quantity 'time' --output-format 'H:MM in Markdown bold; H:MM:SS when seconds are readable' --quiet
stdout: **5:43**
